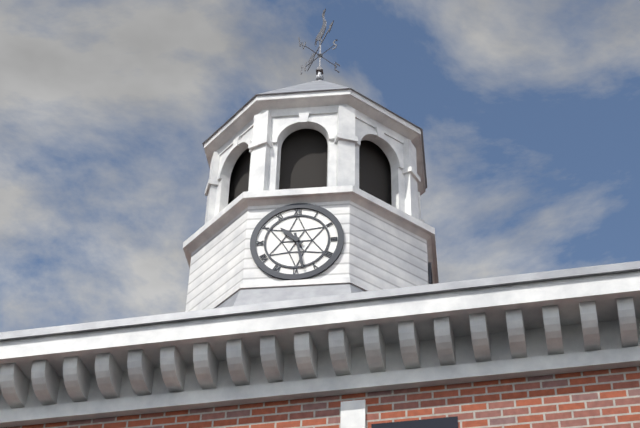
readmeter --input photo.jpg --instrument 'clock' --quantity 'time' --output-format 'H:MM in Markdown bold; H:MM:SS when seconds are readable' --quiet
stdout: **10:28**
